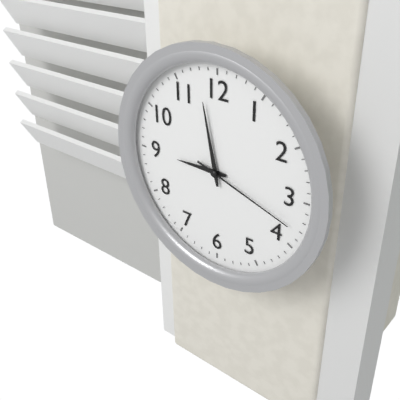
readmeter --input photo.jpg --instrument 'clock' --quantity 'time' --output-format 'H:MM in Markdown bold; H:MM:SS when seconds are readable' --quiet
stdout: **8:58:18**
